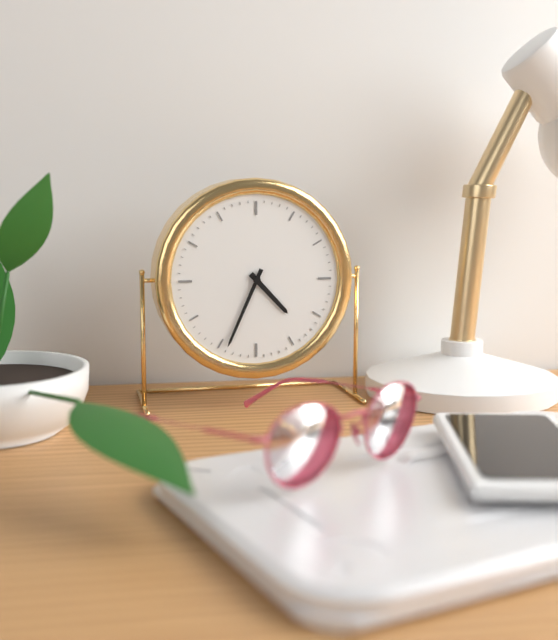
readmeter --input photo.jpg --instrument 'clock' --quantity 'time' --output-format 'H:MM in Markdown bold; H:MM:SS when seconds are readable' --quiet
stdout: **4:34**
